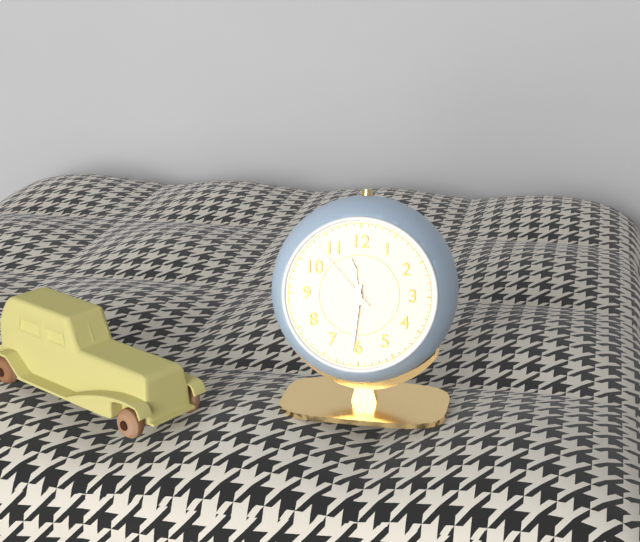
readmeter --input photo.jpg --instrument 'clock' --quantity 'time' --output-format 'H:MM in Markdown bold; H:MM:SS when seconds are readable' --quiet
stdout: **11:31:53**
